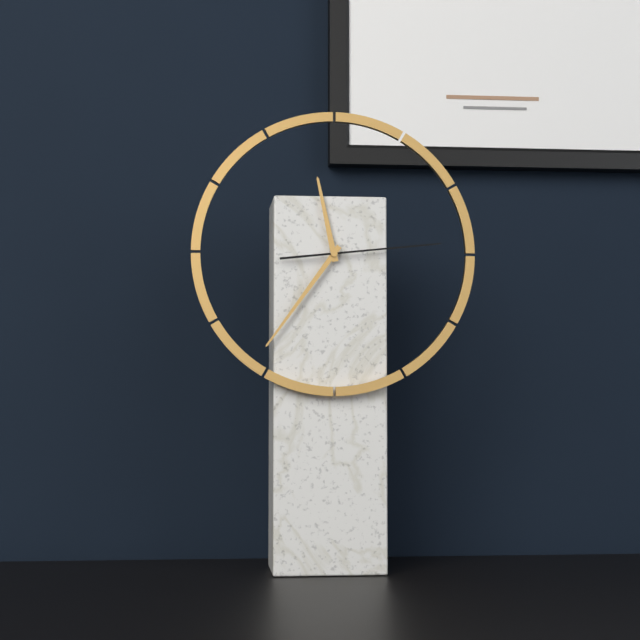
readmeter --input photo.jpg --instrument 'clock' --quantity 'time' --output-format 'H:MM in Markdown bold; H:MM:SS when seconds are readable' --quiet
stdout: **11:36:14**
